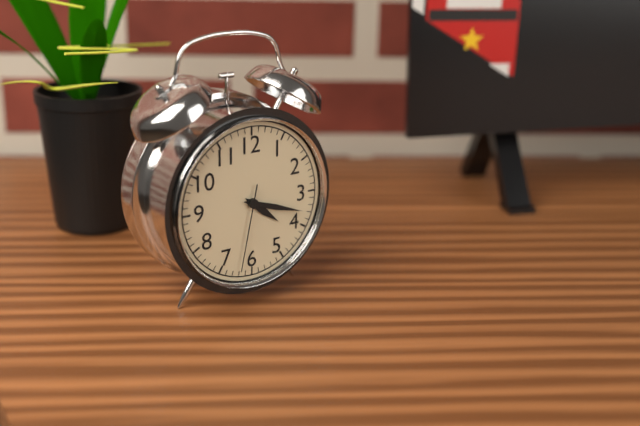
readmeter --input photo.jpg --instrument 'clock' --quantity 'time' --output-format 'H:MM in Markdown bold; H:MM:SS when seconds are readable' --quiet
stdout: **4:18:32**
